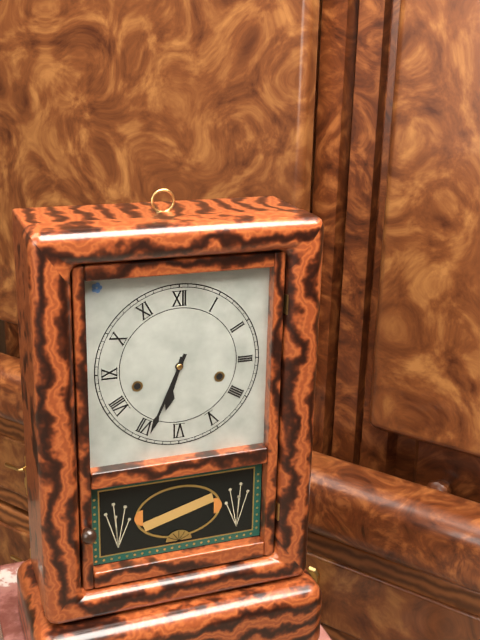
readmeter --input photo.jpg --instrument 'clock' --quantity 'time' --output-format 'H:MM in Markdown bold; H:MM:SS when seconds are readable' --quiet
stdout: **6:34**
